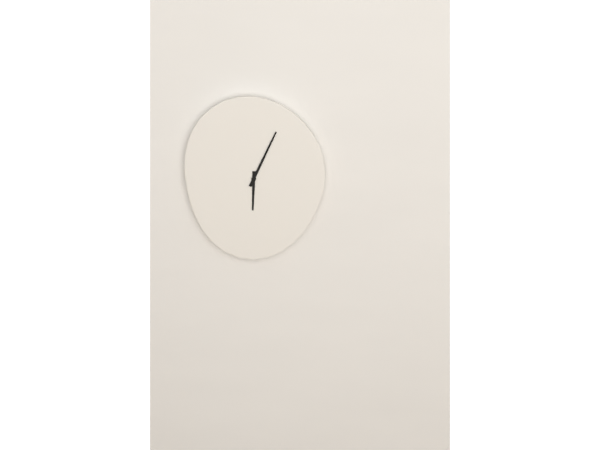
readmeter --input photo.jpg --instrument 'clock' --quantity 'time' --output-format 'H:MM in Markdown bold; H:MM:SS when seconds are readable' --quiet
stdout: **6:04**
